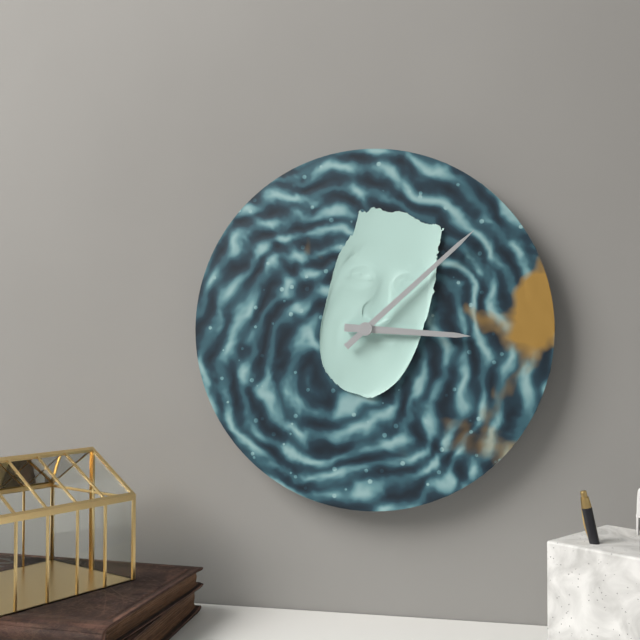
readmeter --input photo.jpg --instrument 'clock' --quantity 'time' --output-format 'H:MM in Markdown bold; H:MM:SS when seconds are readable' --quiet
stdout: **3:08**
